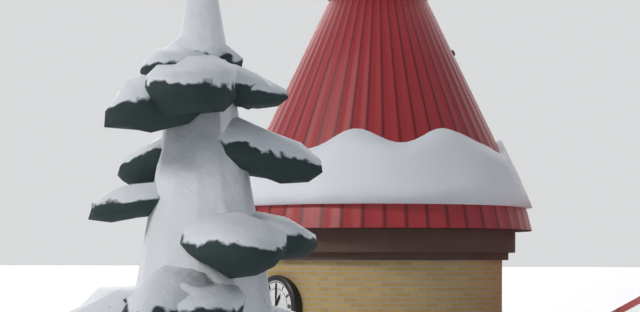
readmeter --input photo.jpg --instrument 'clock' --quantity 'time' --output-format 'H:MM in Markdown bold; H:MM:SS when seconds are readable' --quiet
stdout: **1:00**
